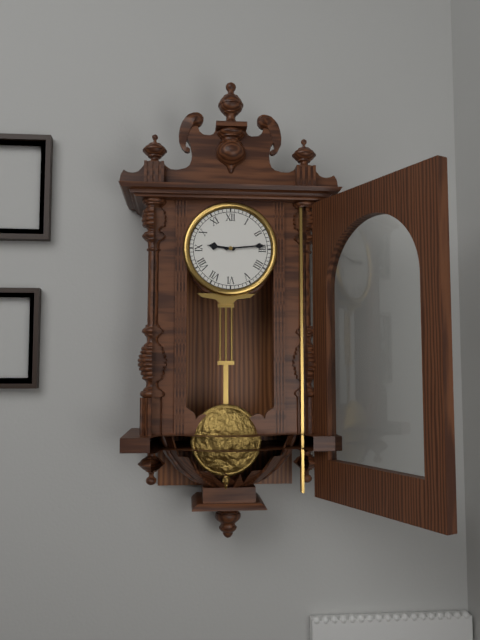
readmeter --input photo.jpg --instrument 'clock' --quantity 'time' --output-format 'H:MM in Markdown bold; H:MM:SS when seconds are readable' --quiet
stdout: **9:14**
